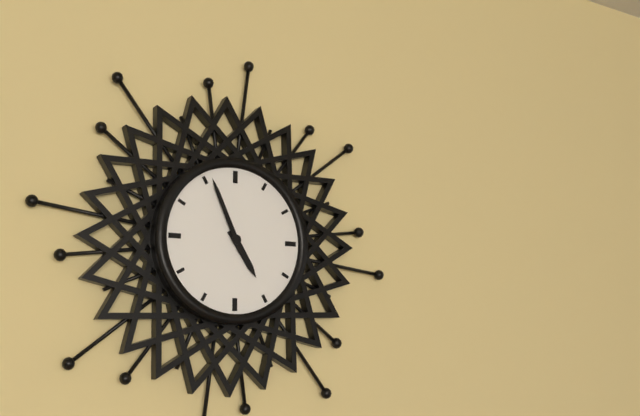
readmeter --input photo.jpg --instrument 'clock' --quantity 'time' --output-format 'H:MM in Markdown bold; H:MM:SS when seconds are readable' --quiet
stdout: **4:56**
